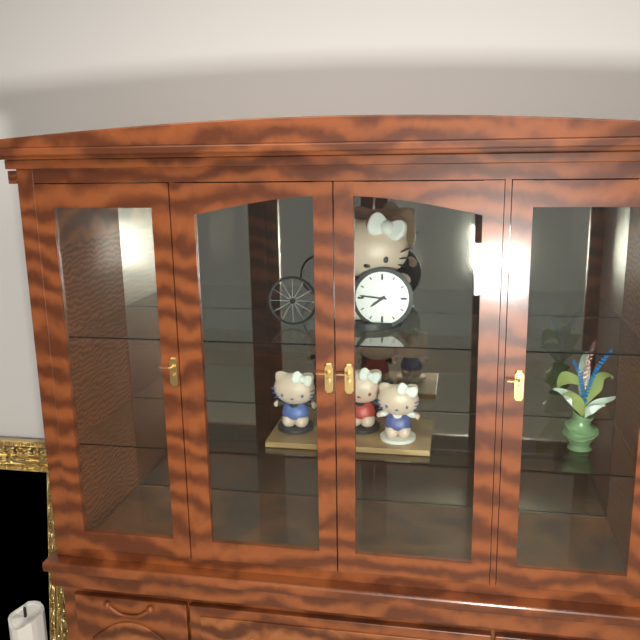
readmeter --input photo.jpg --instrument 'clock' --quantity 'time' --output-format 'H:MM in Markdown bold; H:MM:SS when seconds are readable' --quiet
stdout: **7:46**
